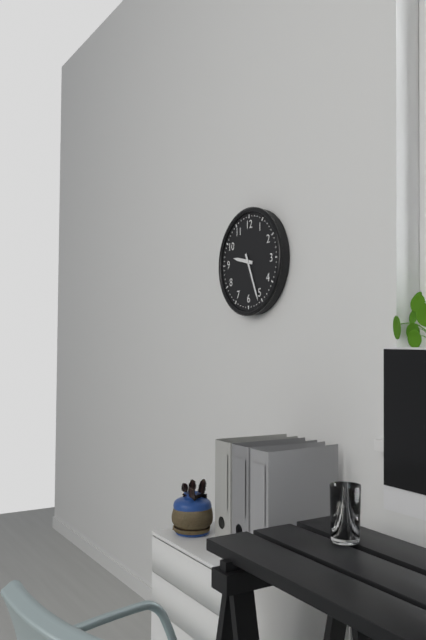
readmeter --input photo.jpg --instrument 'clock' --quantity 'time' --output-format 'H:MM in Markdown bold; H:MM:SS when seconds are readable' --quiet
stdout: **9:26**
